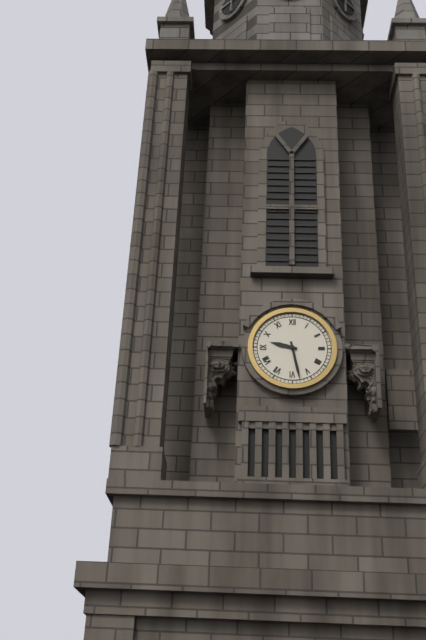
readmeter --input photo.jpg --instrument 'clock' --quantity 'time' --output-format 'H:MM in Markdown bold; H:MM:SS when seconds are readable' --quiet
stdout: **9:28**
